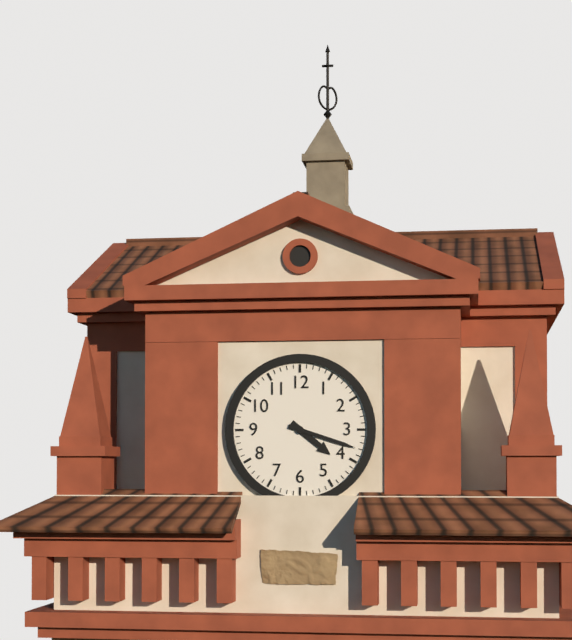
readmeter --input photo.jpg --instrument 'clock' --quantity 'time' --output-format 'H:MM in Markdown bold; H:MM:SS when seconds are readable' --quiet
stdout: **4:18**
